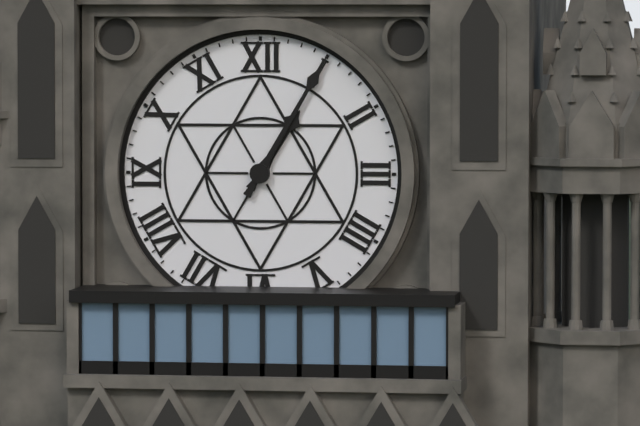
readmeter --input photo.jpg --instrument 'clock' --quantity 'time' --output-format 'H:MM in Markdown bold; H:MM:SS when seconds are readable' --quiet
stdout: **1:05**
